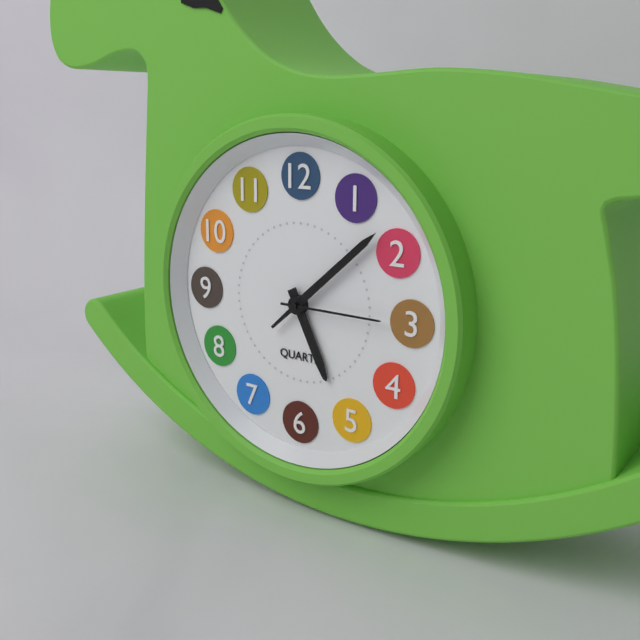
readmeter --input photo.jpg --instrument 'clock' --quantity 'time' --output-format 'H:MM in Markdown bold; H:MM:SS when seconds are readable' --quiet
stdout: **5:08:15**
